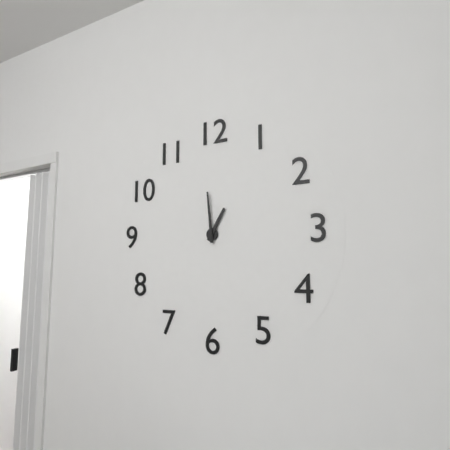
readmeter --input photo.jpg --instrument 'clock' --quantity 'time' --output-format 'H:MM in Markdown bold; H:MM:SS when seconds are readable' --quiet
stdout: **12:59**
